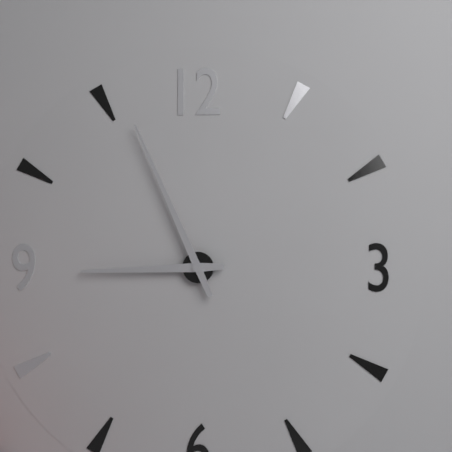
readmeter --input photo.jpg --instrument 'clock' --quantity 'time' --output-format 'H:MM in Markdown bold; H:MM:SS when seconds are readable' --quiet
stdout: **8:56**
